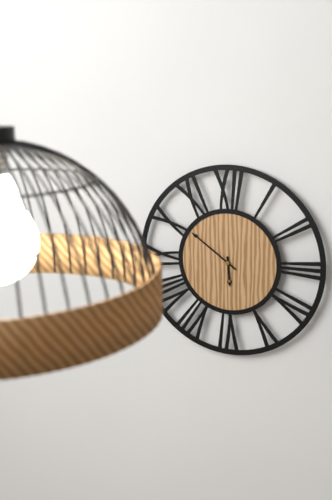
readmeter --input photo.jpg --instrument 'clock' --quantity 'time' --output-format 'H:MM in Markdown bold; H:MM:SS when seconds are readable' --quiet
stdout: **5:51**
